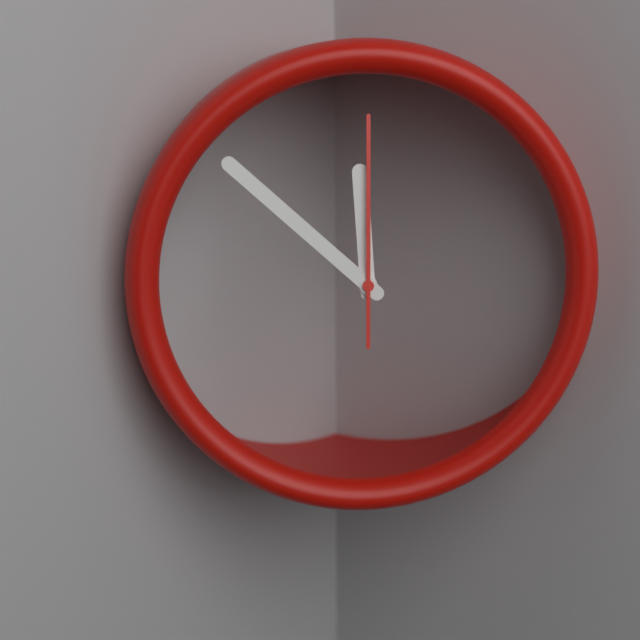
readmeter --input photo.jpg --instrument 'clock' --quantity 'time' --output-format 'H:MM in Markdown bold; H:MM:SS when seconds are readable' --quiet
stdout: **11:52:00**
